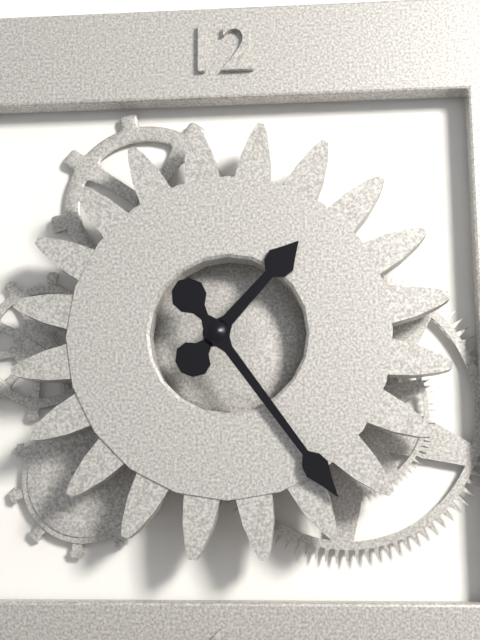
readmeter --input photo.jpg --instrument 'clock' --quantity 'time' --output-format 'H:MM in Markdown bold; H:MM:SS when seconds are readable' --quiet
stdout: **1:24**
